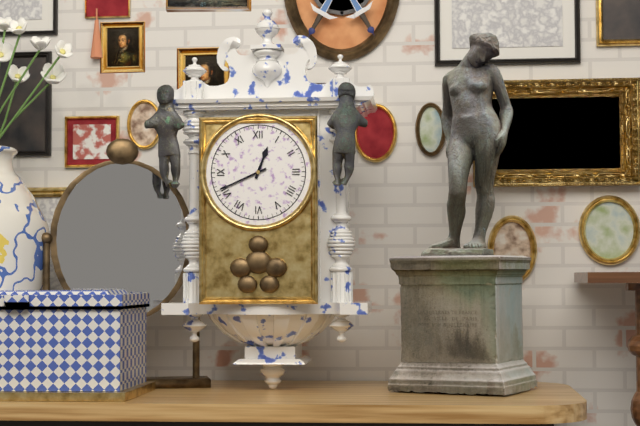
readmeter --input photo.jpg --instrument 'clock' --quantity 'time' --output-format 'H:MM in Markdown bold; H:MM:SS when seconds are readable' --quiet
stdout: **12:41**
